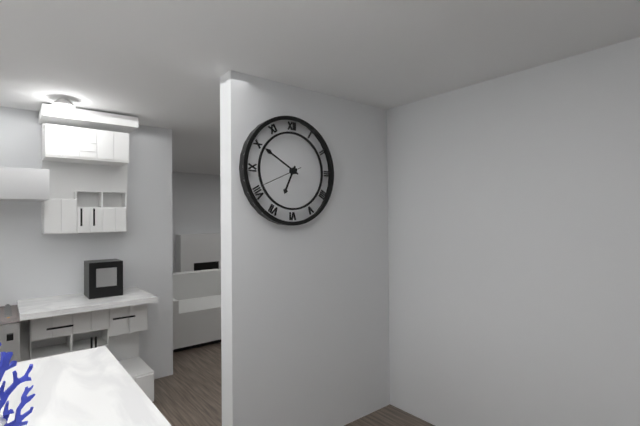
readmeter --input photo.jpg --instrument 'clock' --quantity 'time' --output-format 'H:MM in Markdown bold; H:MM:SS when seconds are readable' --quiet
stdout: **6:50**
